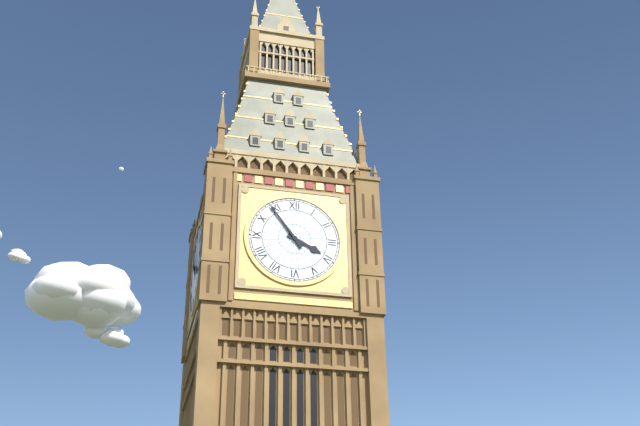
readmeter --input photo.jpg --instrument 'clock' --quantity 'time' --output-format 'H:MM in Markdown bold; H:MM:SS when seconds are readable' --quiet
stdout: **3:54**
